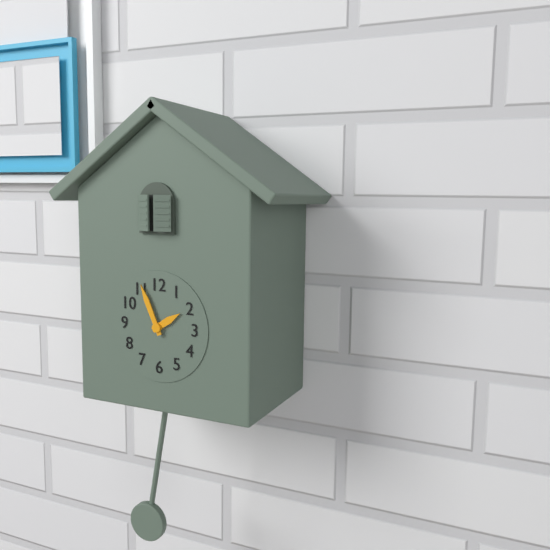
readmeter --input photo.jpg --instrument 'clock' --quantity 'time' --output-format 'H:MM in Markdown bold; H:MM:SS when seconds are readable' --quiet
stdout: **1:56**
